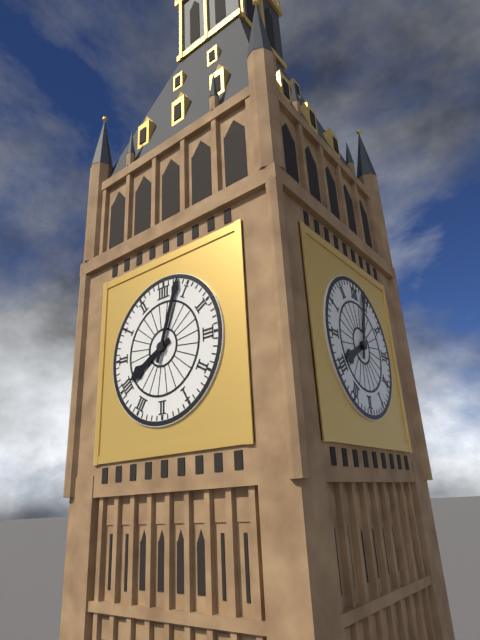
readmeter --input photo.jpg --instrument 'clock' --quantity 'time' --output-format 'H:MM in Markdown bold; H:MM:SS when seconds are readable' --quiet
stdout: **8:03**
